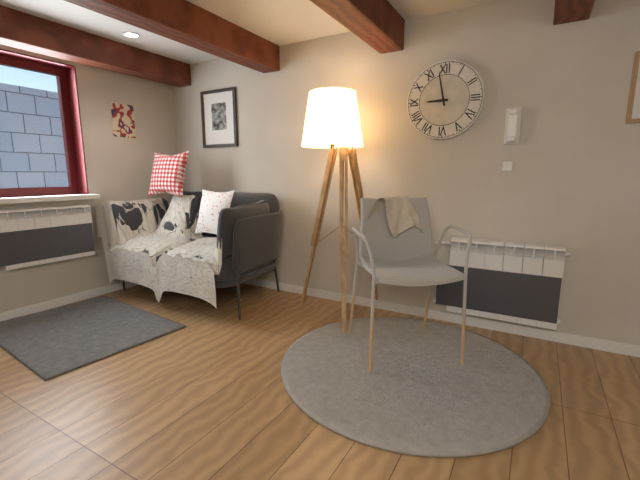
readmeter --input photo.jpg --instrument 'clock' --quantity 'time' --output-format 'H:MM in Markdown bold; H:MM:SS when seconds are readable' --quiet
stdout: **8:58**
